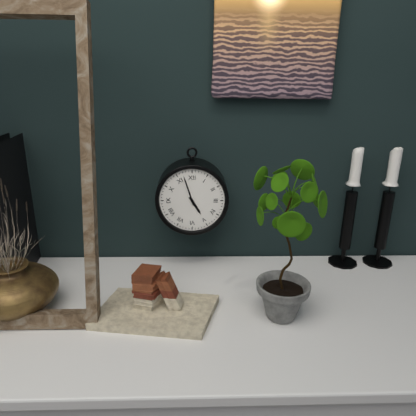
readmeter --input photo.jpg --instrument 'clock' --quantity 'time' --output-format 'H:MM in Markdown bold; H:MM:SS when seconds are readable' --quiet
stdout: **4:57**
